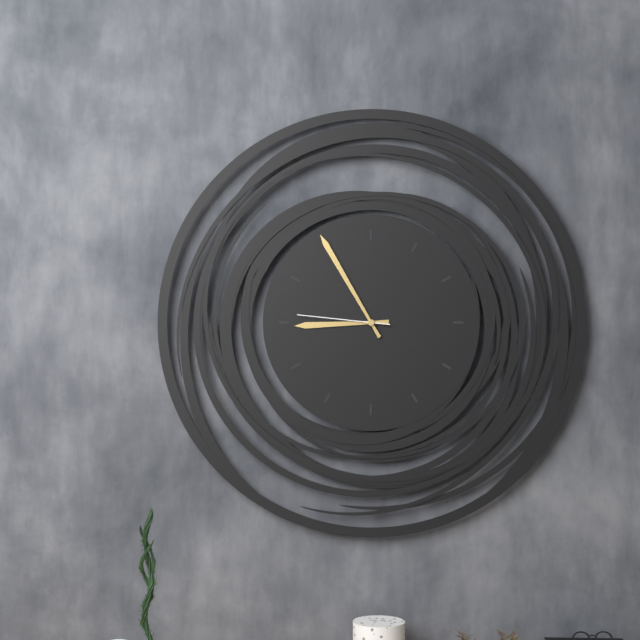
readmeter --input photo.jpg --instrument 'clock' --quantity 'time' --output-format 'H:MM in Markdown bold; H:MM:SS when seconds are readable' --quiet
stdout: **8:55:46**
